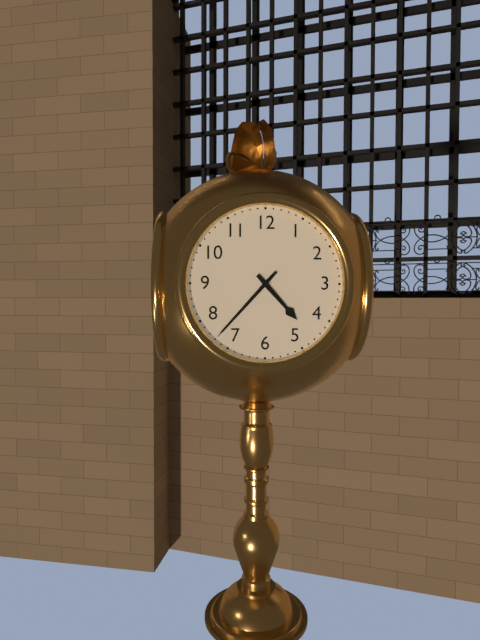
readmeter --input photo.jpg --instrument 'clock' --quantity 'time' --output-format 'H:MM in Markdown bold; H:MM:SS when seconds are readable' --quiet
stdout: **4:37**
